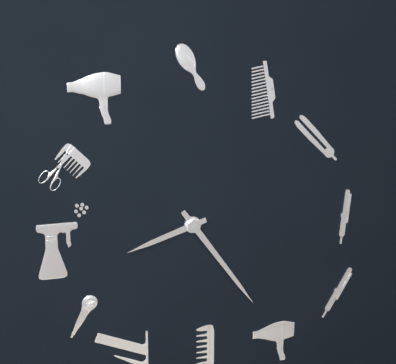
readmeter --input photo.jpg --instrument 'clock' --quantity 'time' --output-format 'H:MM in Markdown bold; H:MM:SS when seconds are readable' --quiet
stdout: **8:24**
